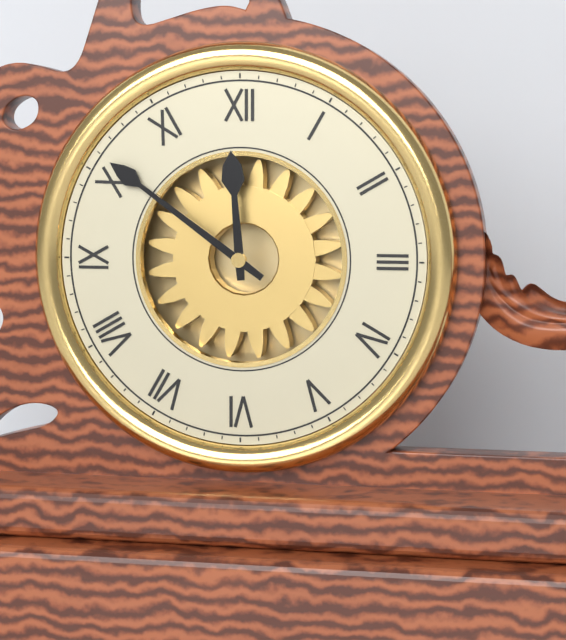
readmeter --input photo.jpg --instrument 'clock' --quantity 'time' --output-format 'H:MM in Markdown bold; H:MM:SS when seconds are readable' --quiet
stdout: **11:51**
